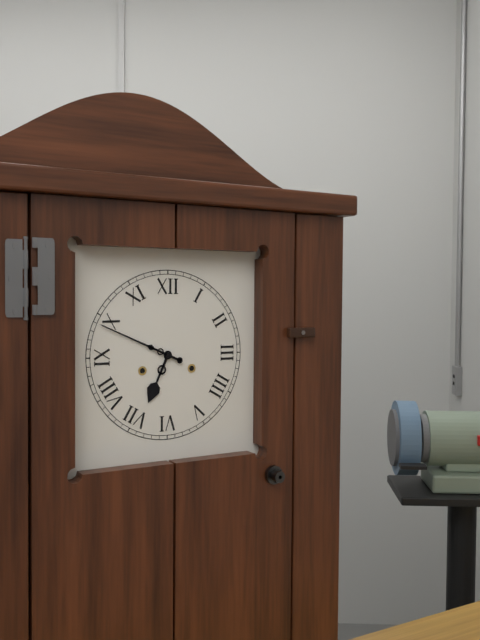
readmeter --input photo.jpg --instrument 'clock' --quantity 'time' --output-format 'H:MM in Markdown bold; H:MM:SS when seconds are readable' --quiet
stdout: **6:49**
